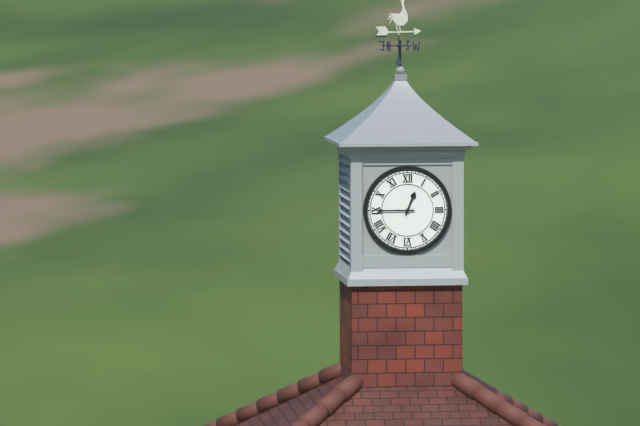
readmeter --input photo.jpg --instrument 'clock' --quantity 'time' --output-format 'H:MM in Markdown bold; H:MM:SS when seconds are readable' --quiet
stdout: **12:45**
